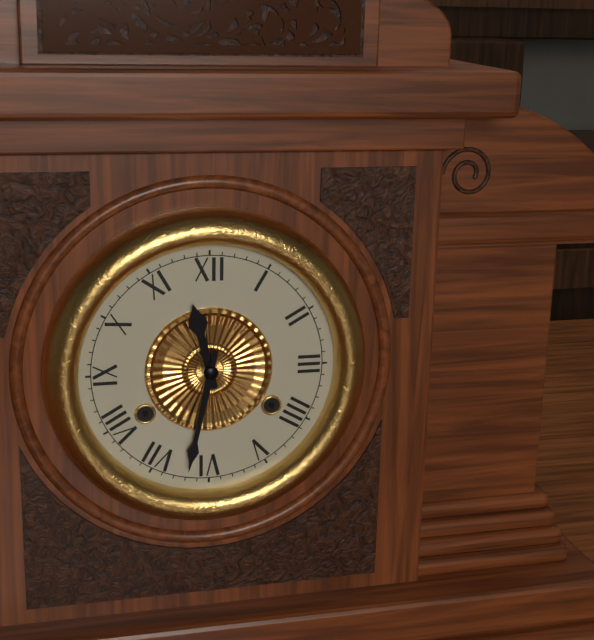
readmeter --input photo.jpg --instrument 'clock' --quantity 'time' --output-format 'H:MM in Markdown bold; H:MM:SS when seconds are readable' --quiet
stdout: **11:32**
